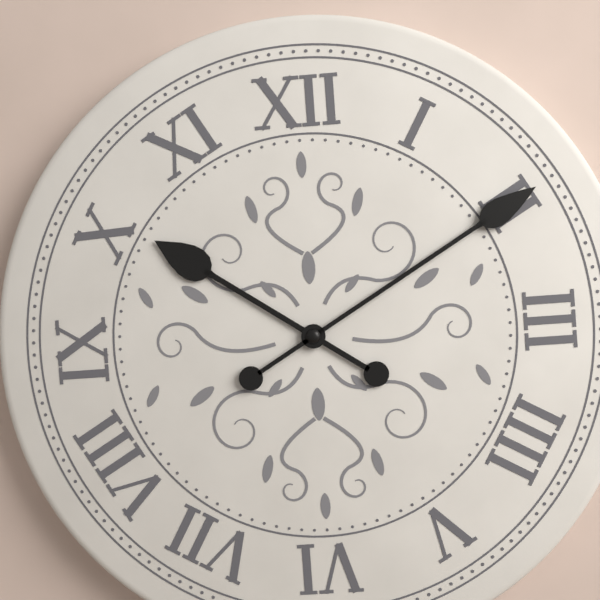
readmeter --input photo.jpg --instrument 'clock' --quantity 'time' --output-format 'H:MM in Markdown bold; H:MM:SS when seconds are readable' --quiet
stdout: **10:10**
